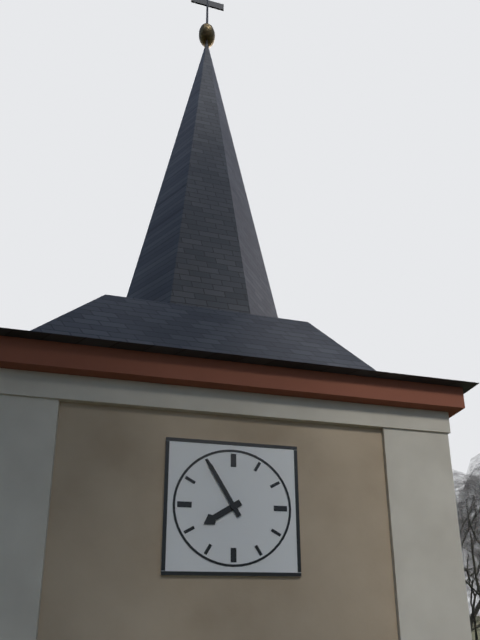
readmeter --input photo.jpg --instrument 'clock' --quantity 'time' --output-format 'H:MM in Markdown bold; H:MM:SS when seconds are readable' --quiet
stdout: **7:55**
